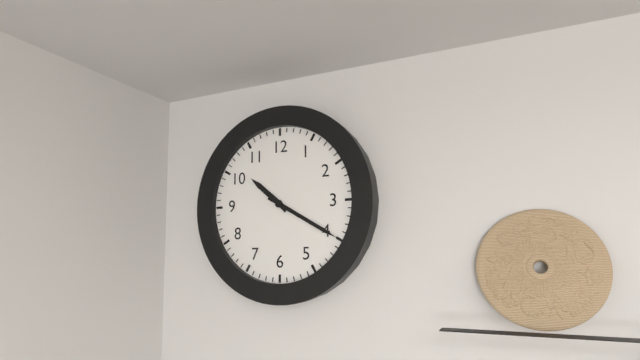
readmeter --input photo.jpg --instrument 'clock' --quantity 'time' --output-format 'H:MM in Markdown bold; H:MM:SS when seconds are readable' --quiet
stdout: **10:20**
